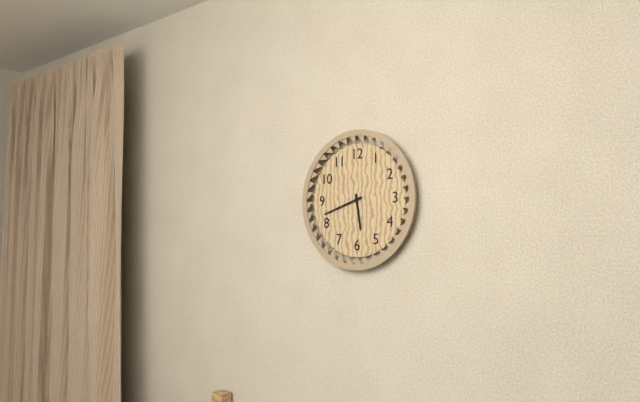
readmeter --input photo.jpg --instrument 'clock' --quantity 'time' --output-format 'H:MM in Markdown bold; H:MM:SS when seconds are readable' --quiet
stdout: **5:42**
